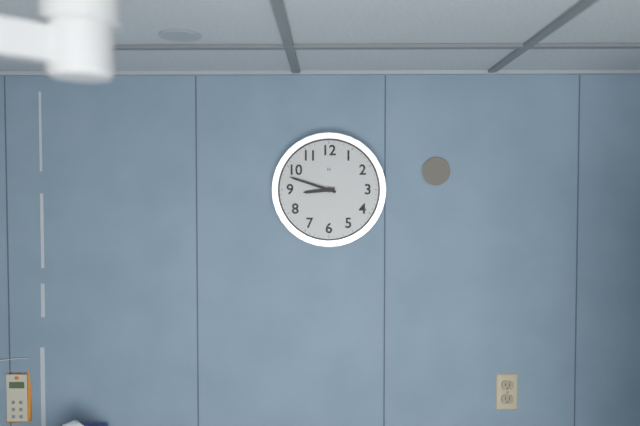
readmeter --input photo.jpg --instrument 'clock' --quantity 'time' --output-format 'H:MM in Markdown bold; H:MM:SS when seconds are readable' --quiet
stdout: **8:48**
